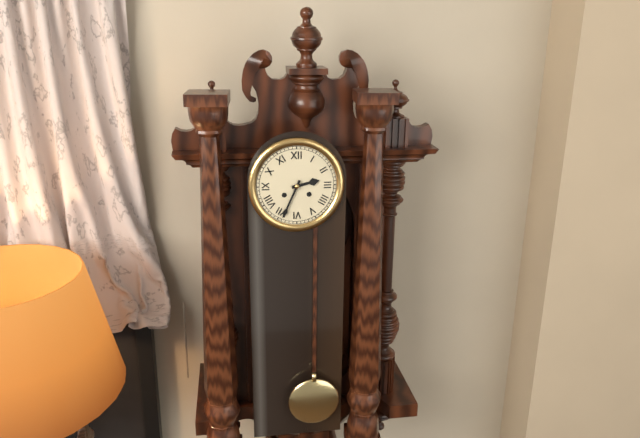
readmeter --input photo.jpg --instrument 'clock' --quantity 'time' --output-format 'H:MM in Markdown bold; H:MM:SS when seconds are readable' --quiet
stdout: **2:34**
